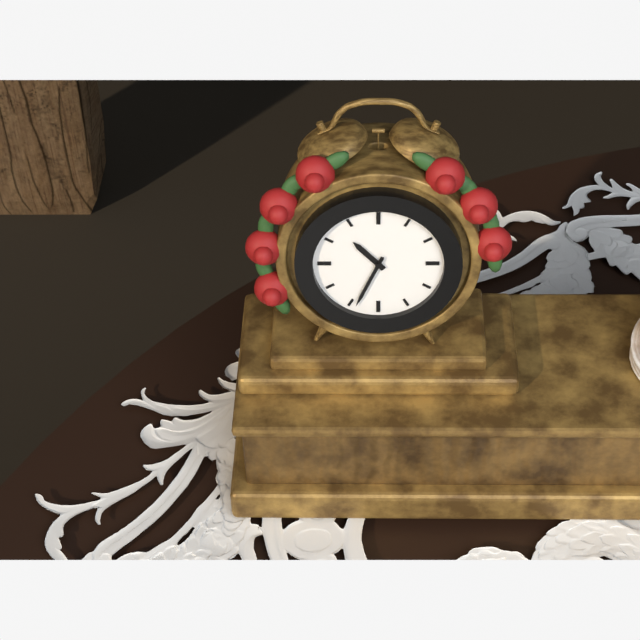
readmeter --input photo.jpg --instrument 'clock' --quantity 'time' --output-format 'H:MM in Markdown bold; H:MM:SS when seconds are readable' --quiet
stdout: **10:34**
